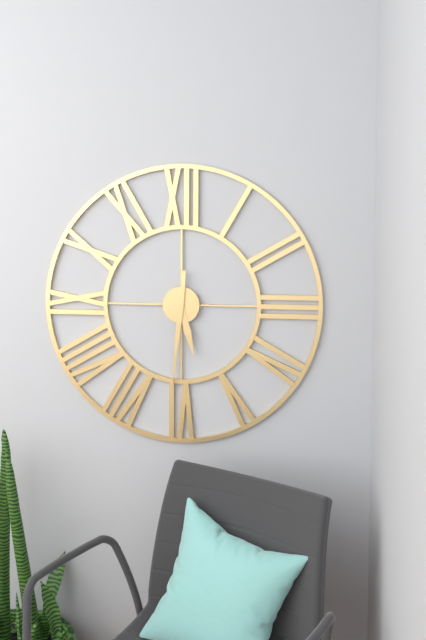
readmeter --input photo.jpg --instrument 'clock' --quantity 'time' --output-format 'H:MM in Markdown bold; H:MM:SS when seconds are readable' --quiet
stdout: **5:31**
